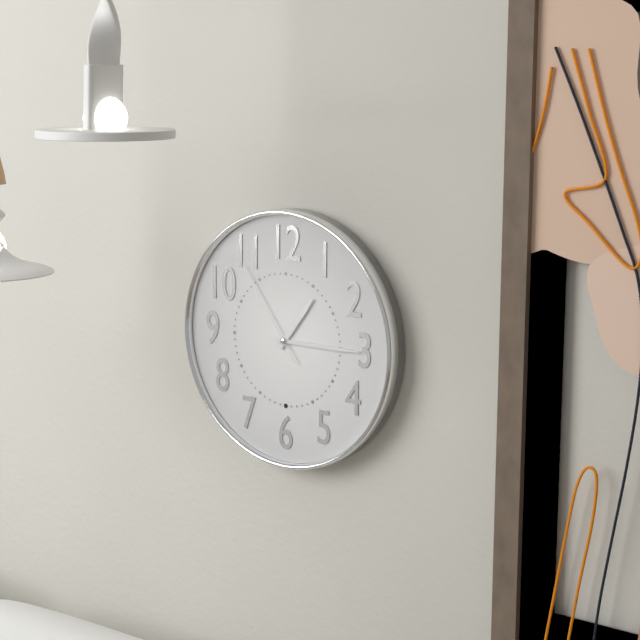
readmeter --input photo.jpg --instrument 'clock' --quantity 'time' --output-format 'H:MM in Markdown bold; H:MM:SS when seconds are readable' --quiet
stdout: **1:15:54**
